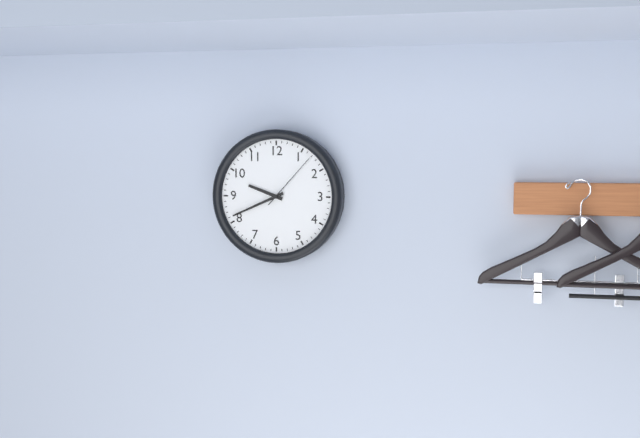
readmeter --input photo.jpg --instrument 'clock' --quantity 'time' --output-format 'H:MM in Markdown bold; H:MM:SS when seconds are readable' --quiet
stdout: **9:41:07**
